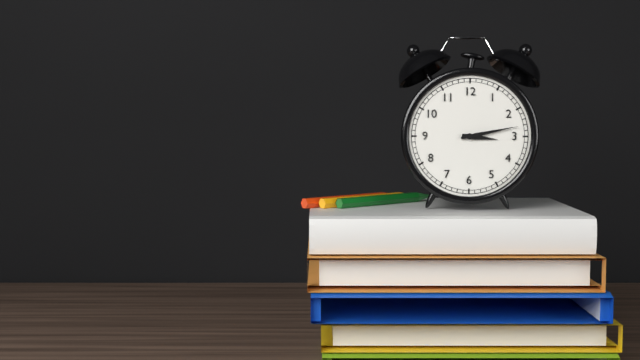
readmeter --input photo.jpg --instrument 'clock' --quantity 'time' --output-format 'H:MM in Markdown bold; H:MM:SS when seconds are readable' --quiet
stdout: **3:13**
